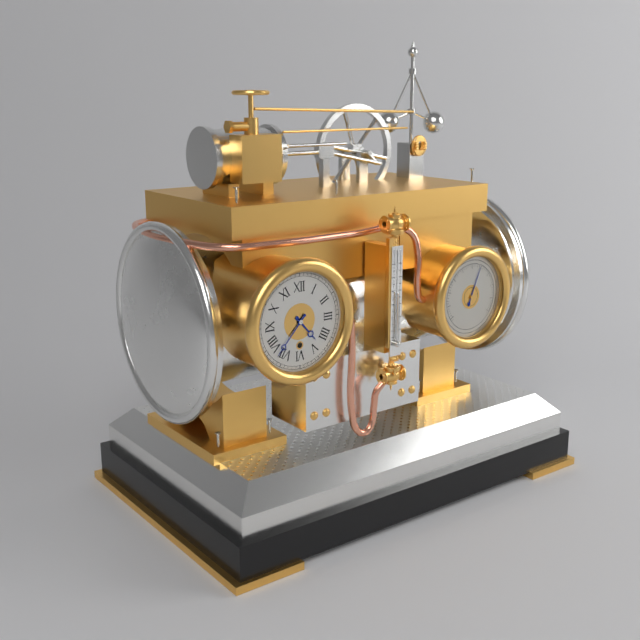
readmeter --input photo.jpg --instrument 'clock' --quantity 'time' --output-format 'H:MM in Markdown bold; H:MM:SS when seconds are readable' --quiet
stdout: **4:37**
